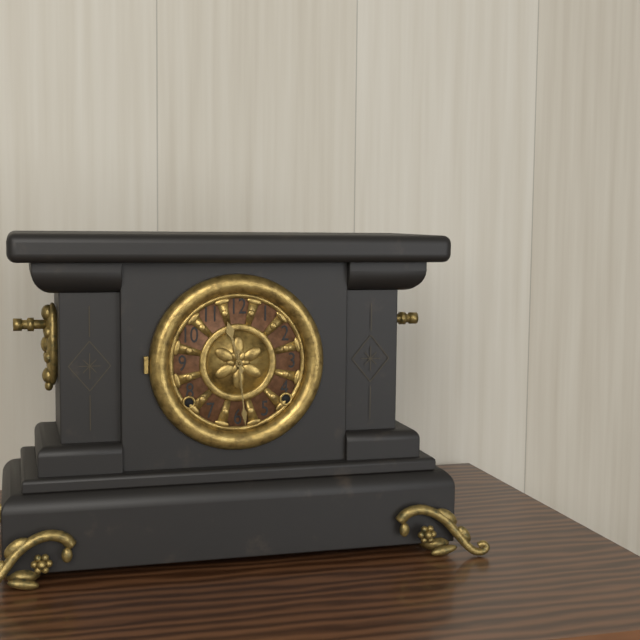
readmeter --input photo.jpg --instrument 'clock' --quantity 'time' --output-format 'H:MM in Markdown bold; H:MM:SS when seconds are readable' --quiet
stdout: **11:29**
